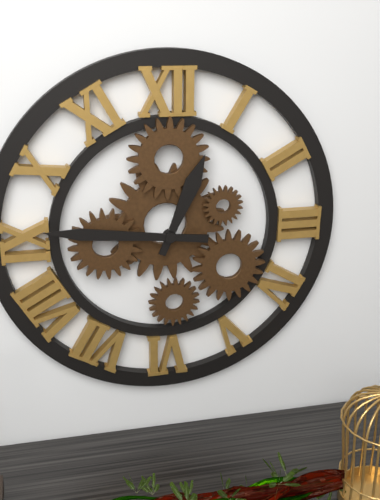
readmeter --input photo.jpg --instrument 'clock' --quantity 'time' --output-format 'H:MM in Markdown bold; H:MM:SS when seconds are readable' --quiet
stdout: **12:46**
